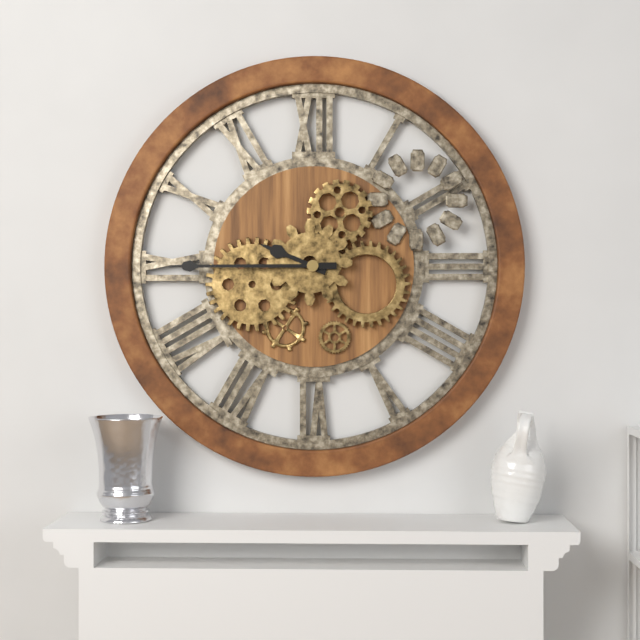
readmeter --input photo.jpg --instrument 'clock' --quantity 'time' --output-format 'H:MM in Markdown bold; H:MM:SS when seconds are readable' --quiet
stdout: **9:45**
